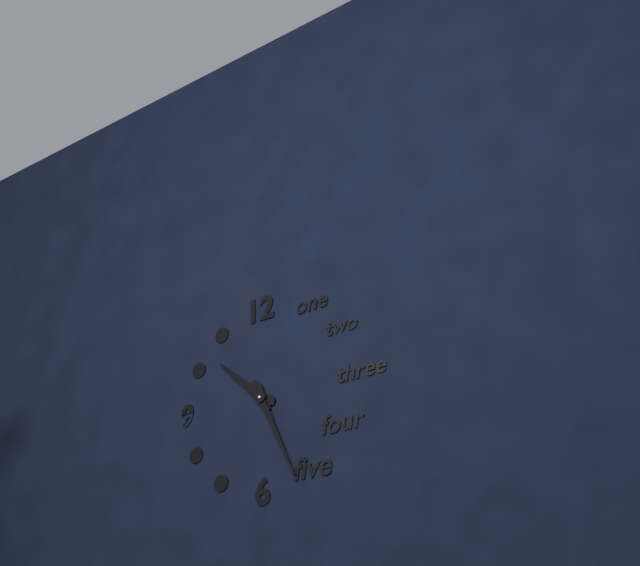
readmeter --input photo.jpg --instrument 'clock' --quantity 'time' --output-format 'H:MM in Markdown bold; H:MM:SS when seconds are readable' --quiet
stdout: **10:26**
